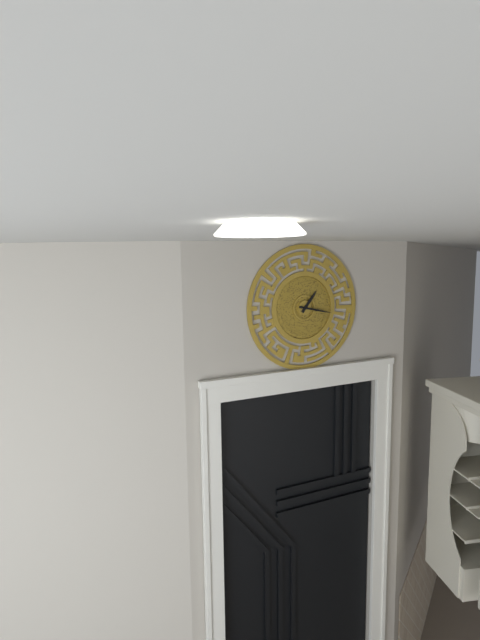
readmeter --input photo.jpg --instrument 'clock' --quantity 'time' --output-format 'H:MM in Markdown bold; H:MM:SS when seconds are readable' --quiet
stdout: **1:17**
